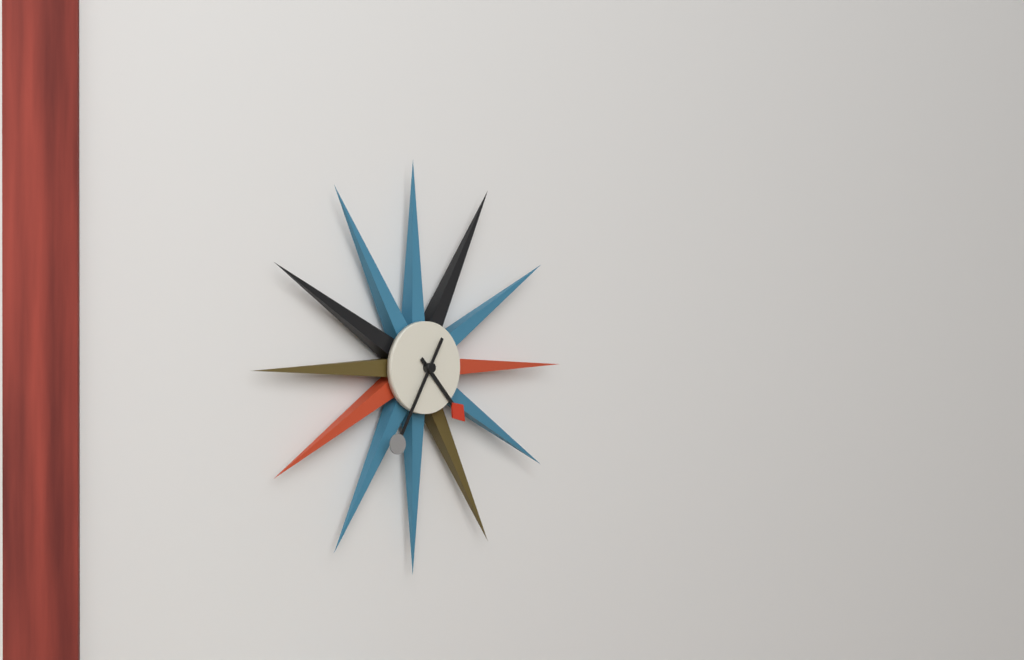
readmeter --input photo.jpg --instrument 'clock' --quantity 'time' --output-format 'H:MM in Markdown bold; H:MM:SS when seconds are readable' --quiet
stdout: **4:35**
